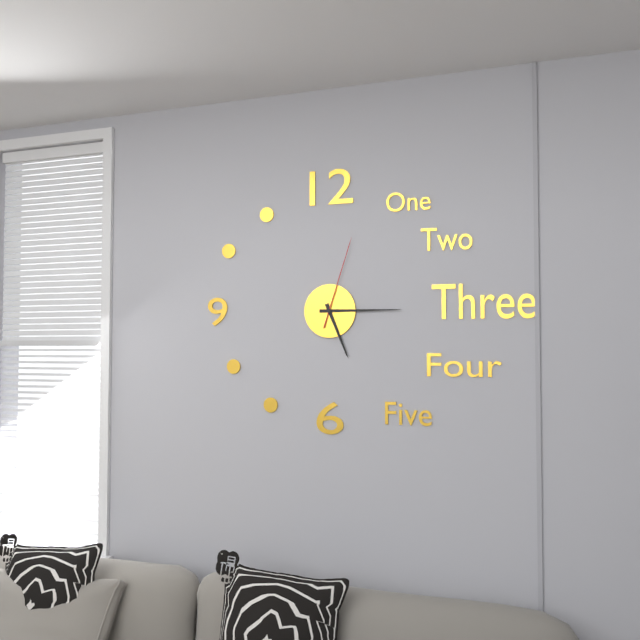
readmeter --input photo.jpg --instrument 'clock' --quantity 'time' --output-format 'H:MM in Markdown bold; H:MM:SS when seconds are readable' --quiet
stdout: **5:15:03**
